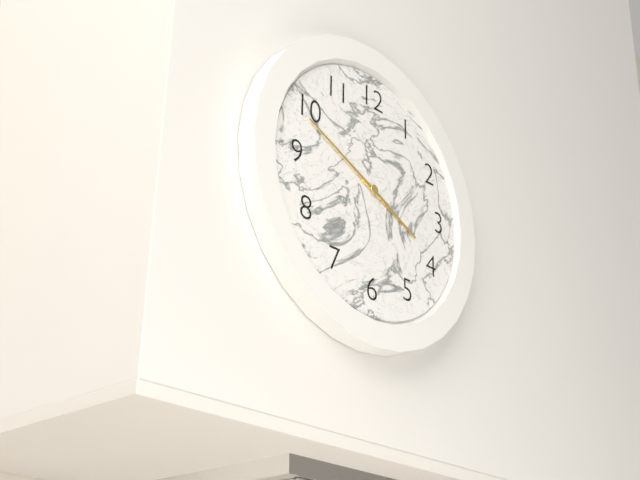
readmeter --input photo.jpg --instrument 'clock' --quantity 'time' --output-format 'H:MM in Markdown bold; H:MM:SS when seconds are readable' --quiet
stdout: **3:49**
